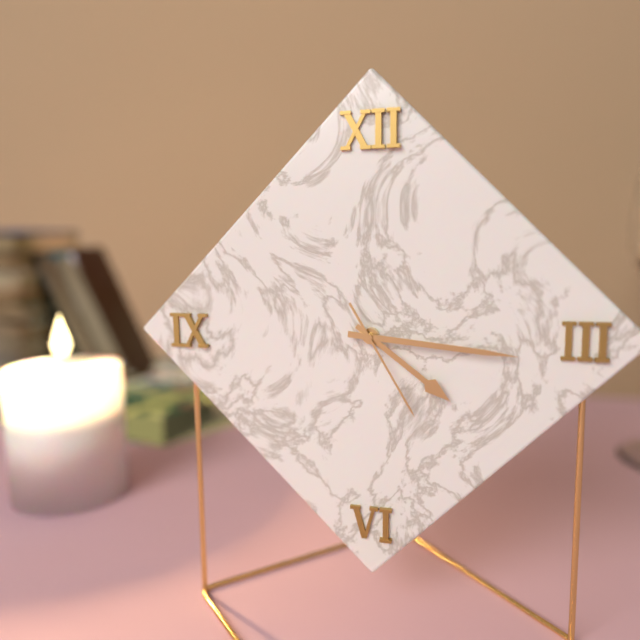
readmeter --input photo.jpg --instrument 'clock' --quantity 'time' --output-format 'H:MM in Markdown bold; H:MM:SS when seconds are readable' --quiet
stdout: **4:16:25**
